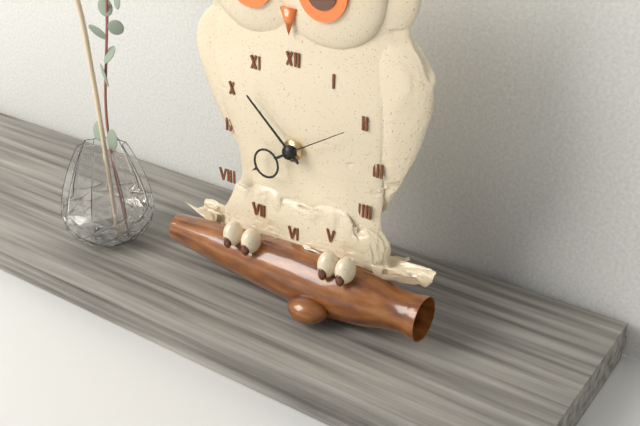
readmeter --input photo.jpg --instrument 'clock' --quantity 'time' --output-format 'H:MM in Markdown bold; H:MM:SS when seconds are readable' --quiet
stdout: **7:52:10**
